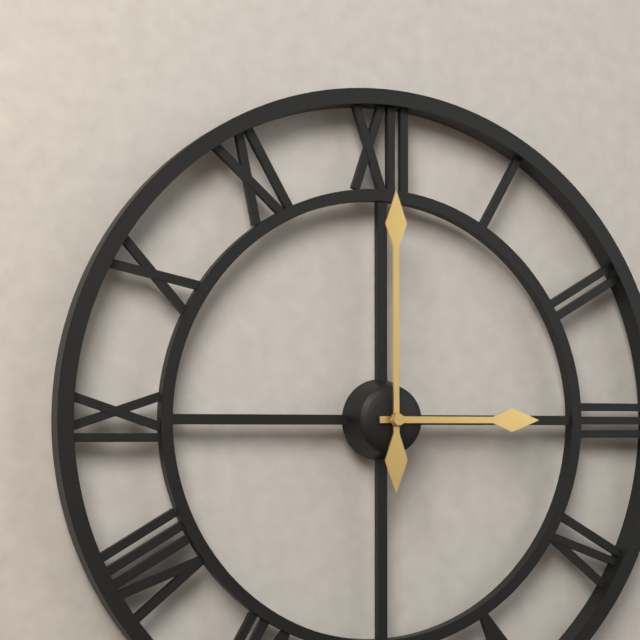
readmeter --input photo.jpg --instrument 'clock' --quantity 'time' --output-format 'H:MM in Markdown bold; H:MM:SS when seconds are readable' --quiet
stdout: **3:00**
